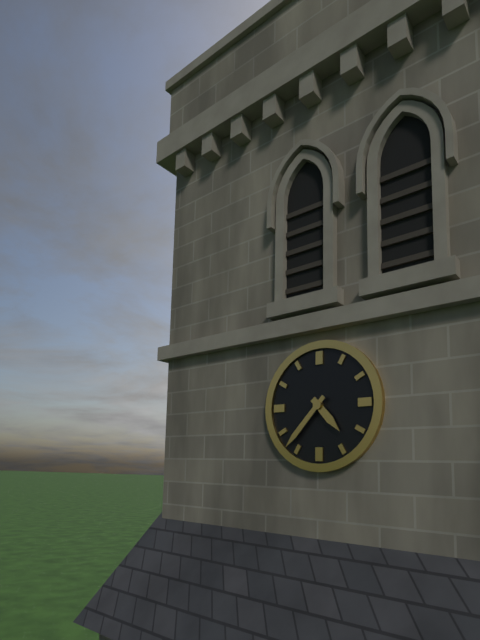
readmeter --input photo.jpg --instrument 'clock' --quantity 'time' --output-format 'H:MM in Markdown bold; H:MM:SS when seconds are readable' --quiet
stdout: **4:37**
